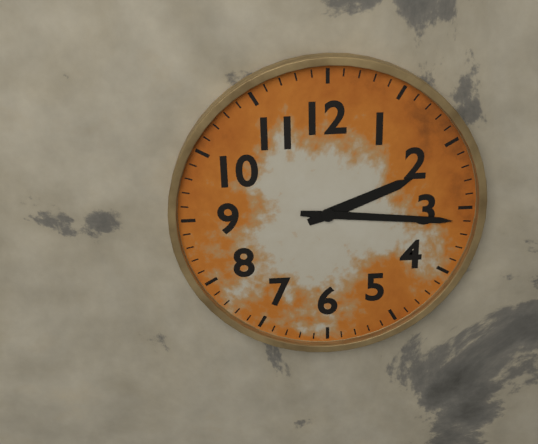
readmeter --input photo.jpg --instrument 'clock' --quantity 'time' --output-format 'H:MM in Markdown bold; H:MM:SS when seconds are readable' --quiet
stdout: **2:16**
